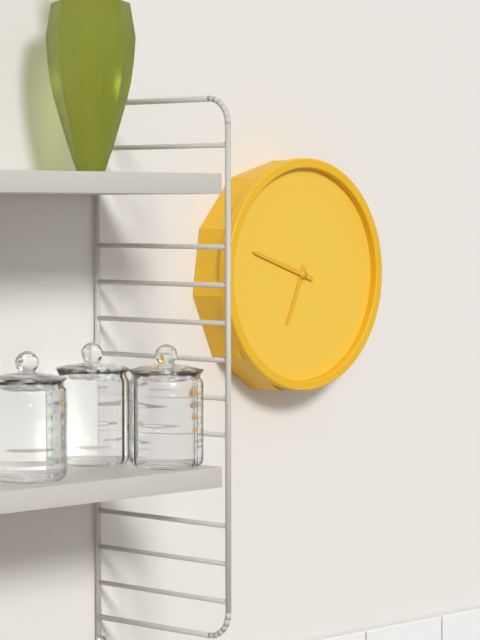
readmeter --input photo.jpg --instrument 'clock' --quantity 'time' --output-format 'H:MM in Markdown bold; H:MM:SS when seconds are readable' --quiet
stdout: **6:48**
